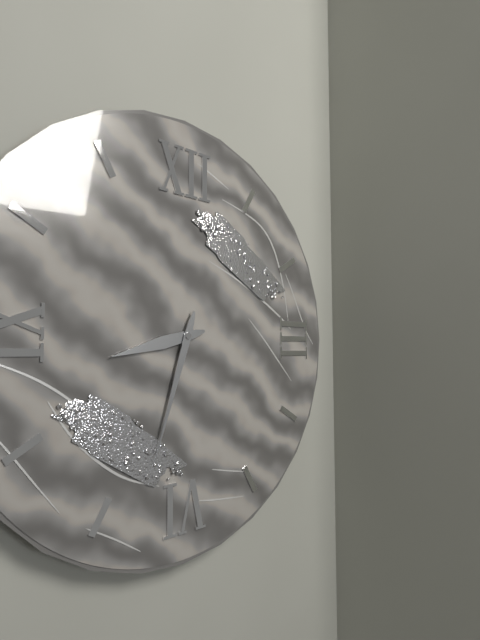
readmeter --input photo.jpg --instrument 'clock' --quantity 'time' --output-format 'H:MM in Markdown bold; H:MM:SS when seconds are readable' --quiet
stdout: **8:33**
